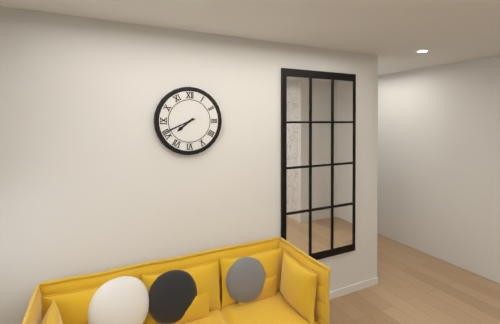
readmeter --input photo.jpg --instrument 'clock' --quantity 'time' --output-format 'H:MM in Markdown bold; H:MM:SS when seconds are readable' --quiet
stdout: **7:41**
